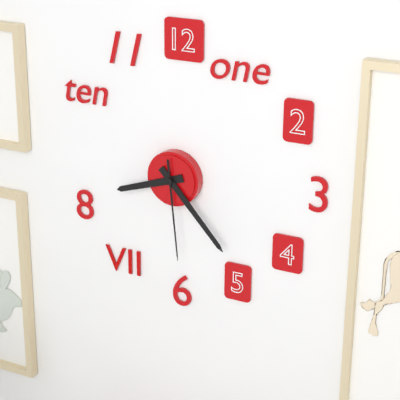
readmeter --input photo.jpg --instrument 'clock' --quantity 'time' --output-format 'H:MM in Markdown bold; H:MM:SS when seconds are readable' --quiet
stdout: **8:23:29**
